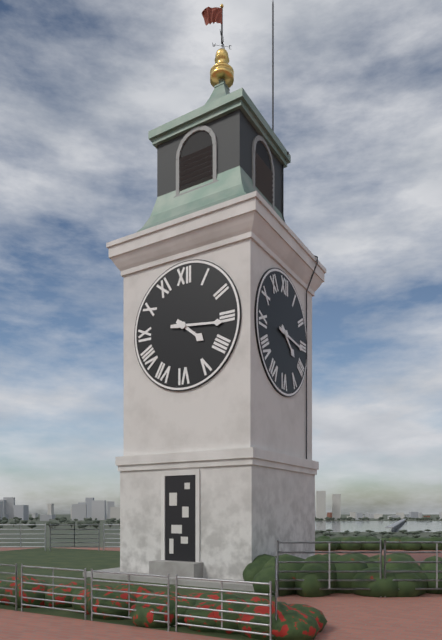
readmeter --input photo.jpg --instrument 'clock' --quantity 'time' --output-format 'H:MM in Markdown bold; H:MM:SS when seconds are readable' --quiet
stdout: **4:16**
